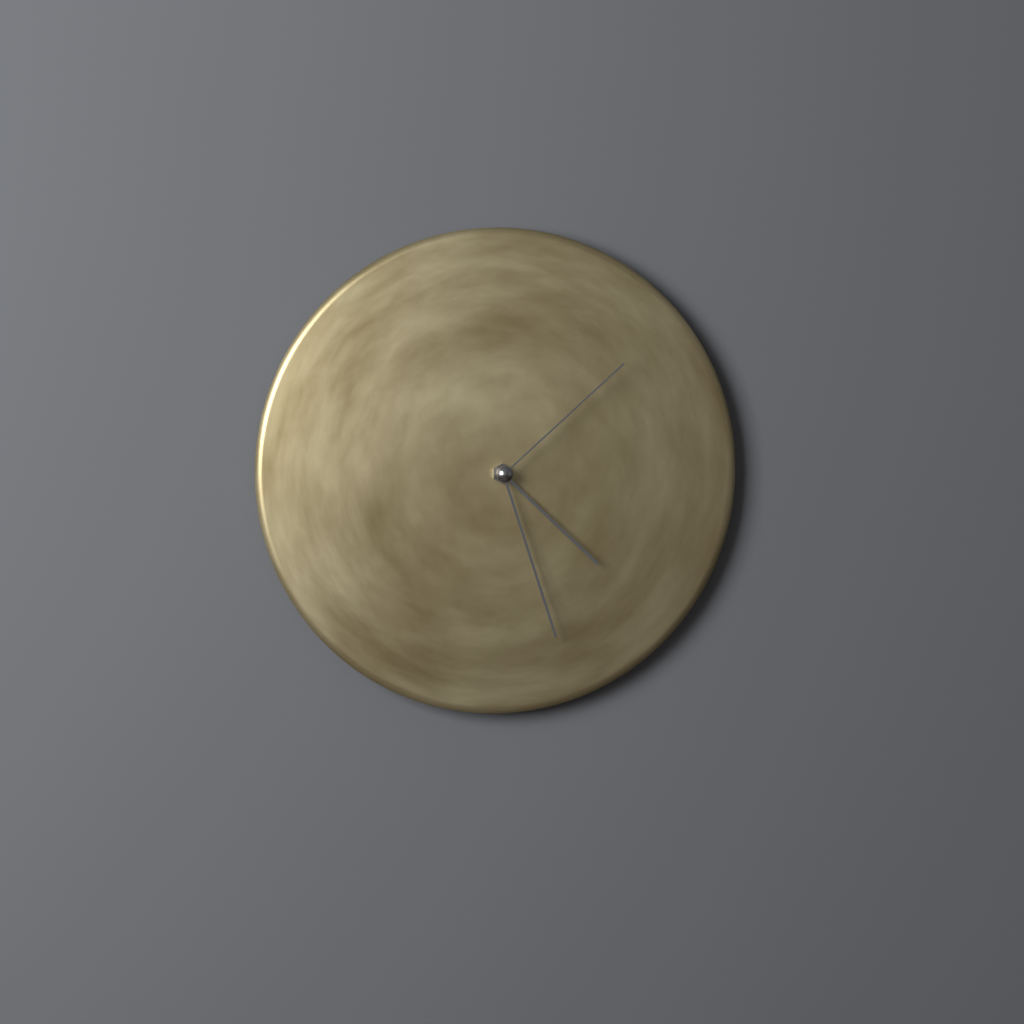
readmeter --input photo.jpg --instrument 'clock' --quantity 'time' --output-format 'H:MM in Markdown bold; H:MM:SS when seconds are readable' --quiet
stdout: **4:27:08**
